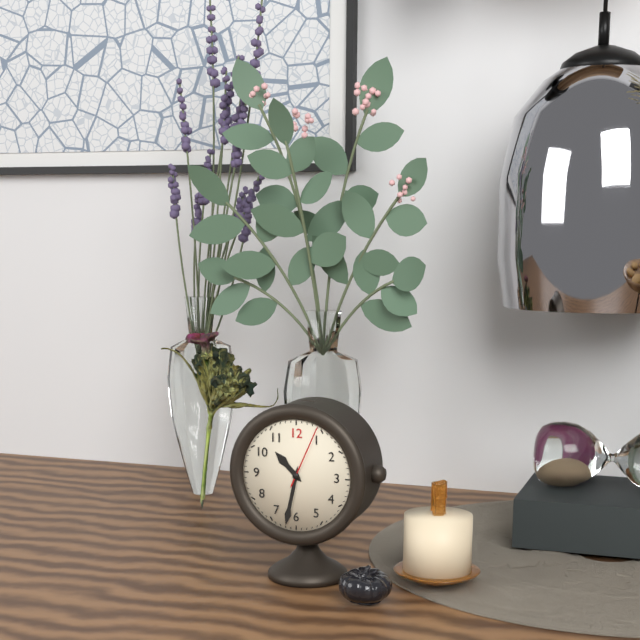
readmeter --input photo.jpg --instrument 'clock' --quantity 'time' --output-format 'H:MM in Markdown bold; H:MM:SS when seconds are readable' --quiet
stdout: **10:32:04**
